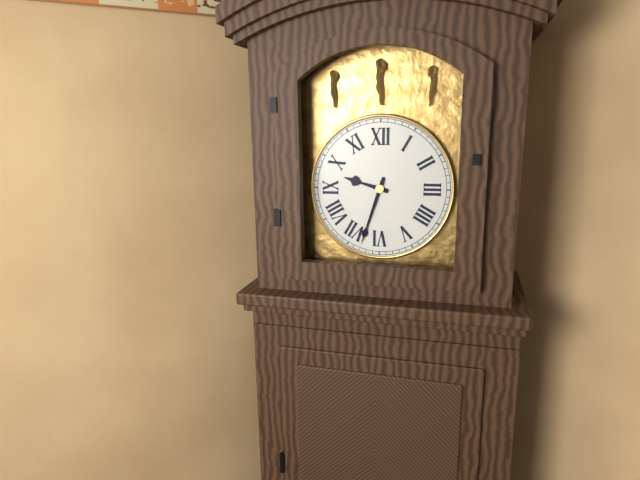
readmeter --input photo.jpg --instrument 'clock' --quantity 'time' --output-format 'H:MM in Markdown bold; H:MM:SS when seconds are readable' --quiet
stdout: **9:33**
